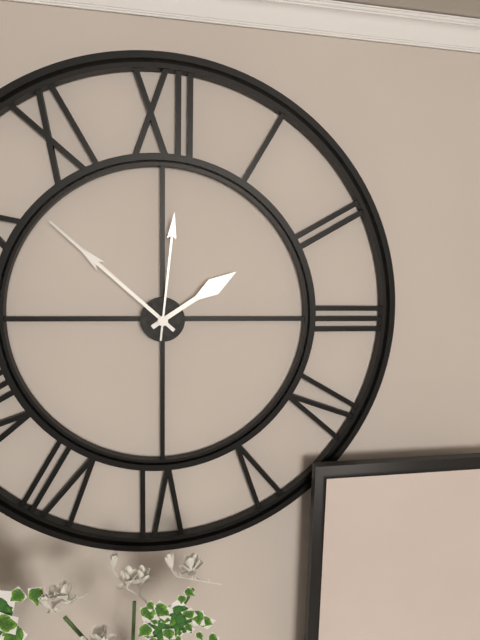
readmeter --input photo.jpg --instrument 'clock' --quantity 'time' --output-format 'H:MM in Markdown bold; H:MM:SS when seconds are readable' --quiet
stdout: **1:52:01**
